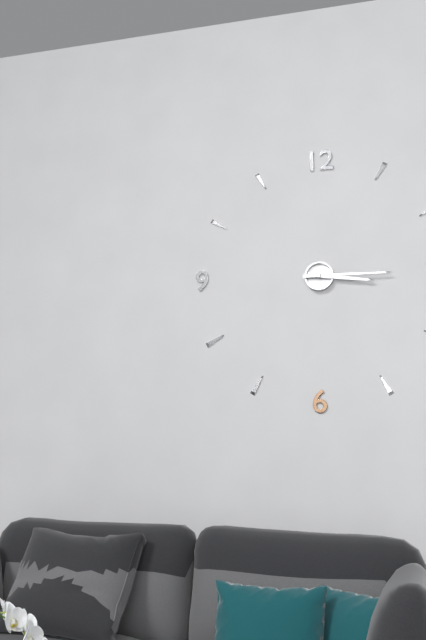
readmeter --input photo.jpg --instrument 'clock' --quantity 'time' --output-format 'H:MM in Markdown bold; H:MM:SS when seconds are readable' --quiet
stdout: **3:15**
